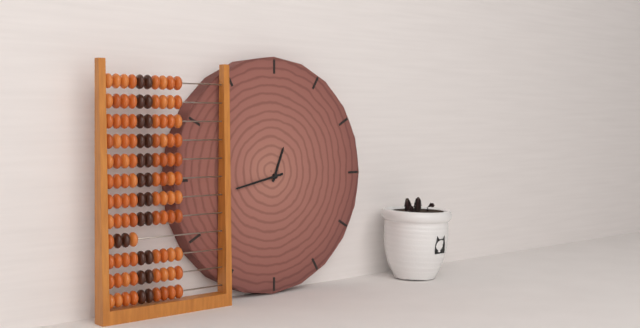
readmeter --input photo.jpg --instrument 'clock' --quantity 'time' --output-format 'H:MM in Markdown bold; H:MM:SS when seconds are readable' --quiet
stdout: **12:43**
